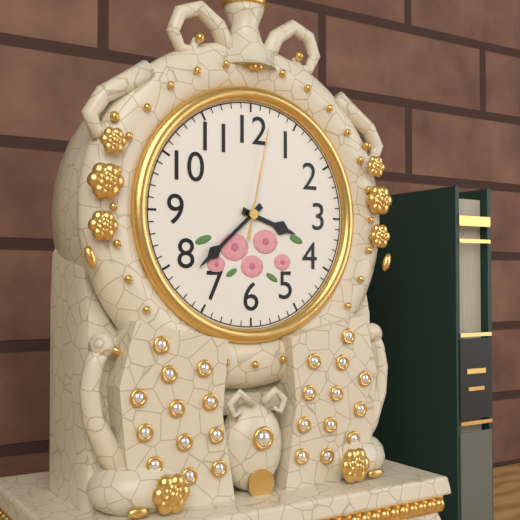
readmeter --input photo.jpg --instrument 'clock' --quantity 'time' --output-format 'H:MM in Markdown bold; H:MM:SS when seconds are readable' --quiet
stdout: **3:38:02**
